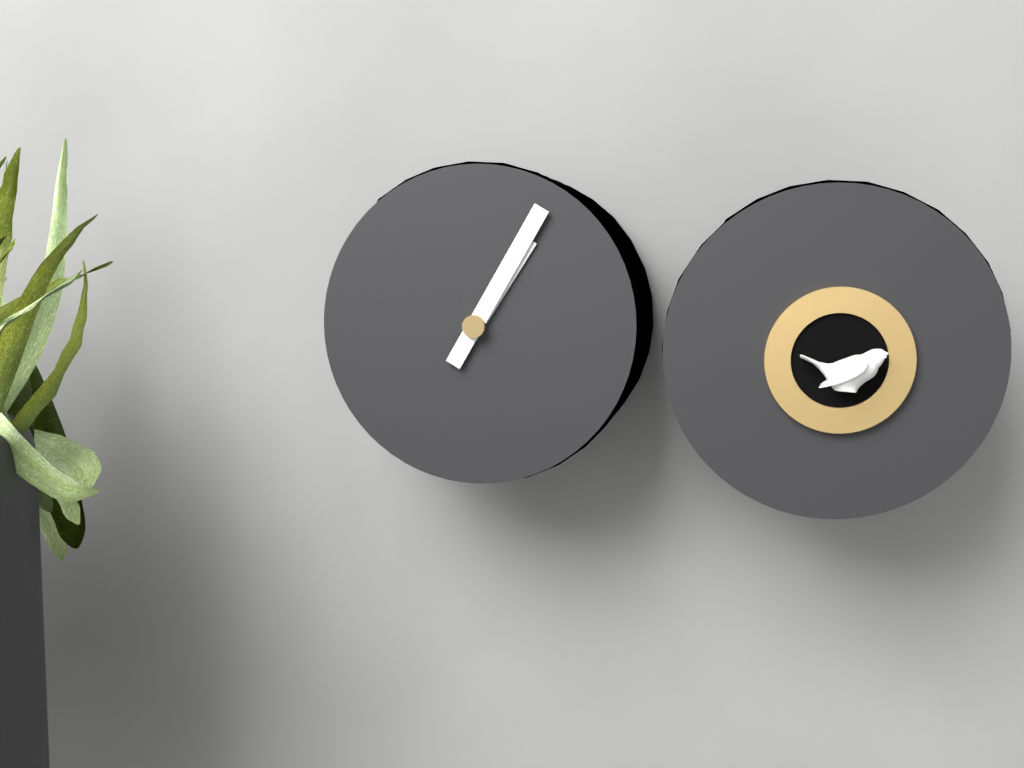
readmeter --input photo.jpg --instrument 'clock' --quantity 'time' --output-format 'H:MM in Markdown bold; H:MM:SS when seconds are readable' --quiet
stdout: **1:05**
